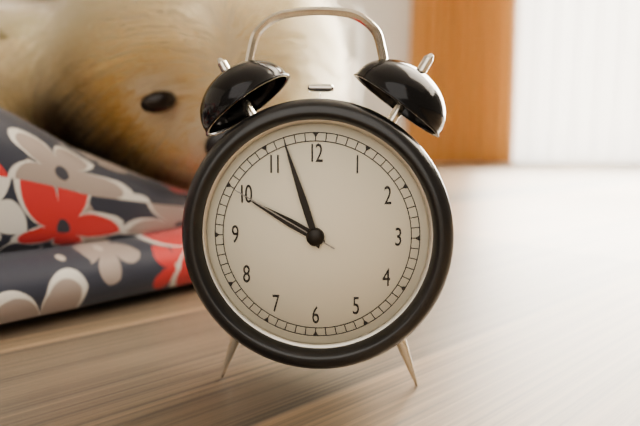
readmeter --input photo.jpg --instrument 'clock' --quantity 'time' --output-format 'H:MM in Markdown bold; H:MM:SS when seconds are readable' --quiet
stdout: **9:57:50**
